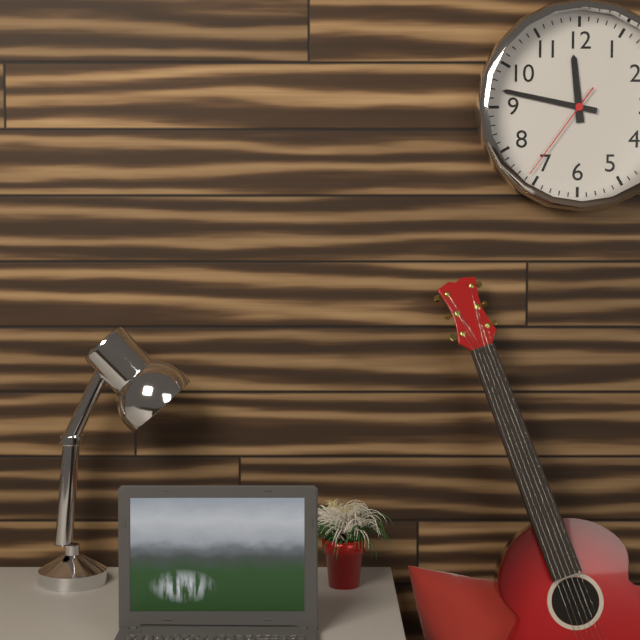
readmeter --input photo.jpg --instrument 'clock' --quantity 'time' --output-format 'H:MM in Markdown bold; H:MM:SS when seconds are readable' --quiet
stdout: **11:47:36**
